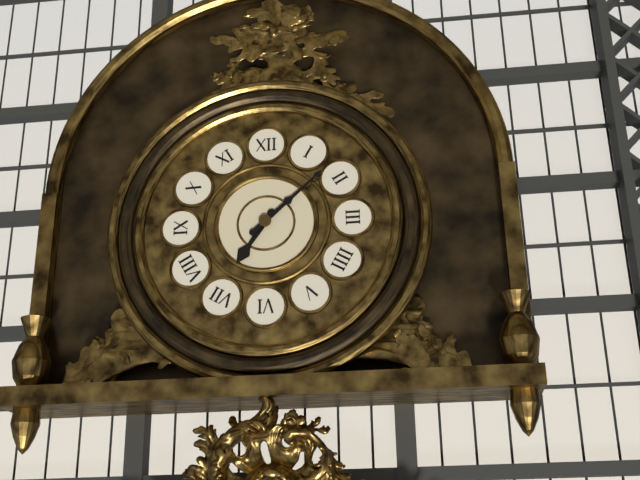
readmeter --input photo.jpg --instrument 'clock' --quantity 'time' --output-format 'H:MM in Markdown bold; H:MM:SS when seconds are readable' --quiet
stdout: **7:08**
